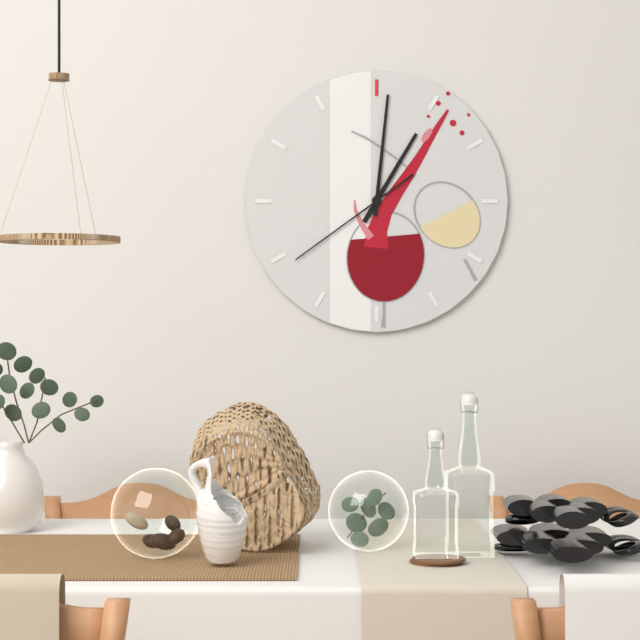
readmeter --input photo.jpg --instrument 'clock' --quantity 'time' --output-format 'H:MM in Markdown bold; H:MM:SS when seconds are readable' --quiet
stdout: **1:01:39**
